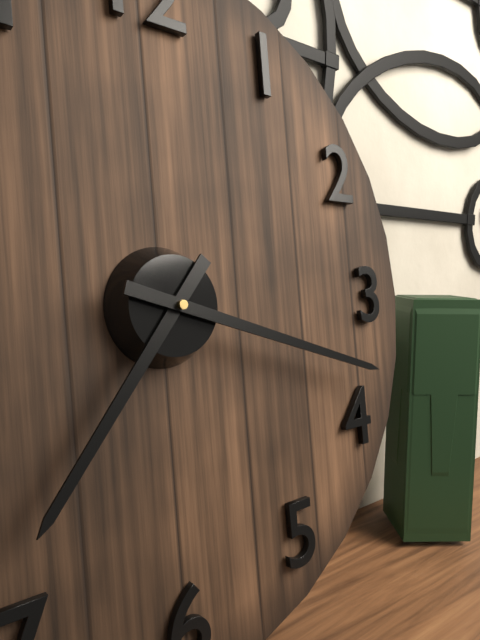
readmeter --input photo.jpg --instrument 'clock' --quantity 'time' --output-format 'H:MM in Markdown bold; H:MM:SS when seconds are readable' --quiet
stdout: **7:18**
